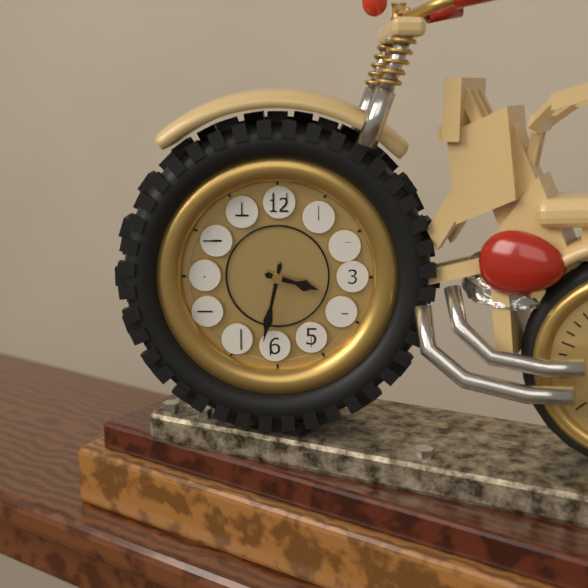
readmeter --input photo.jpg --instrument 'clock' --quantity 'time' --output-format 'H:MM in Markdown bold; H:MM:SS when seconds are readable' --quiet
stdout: **3:32**
